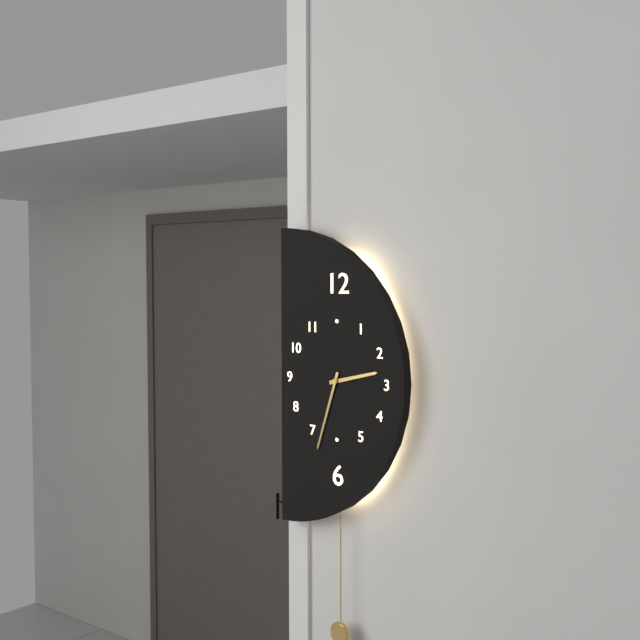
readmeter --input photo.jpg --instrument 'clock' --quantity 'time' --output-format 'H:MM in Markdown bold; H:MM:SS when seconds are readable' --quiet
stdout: **2:33**
